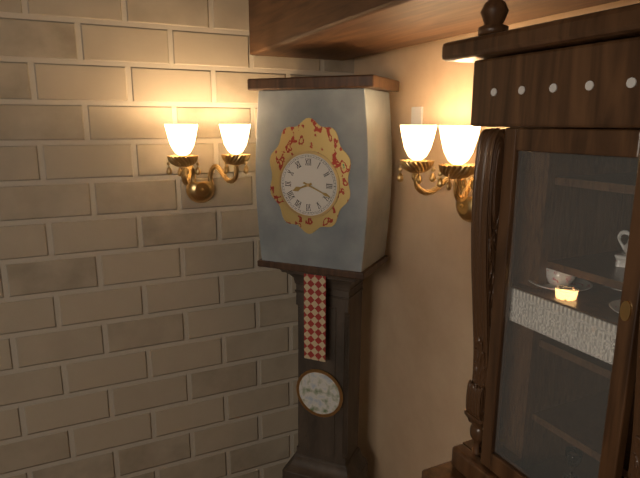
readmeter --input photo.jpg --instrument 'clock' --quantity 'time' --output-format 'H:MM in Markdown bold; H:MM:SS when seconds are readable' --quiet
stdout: **8:19**
